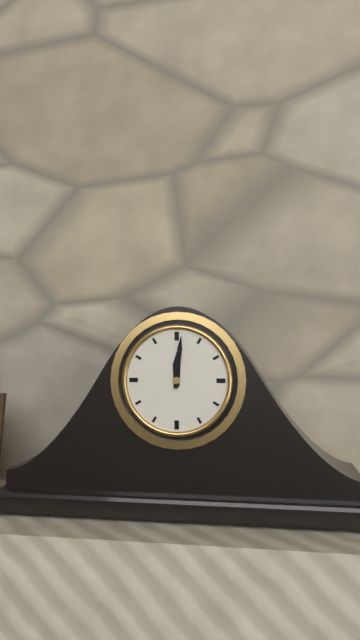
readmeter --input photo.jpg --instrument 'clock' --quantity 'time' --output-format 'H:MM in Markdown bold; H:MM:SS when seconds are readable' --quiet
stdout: **12:01**
